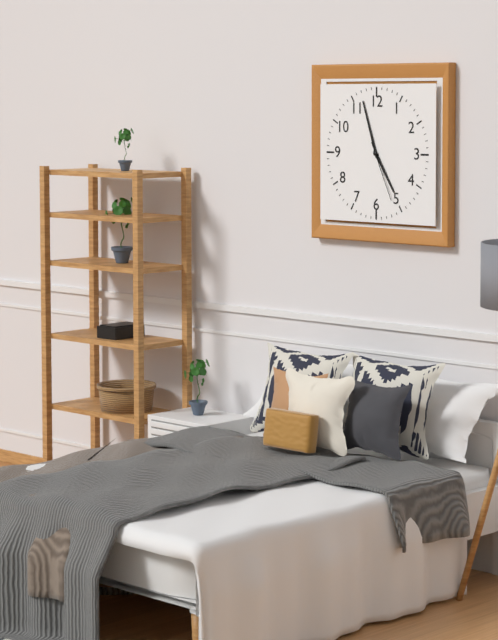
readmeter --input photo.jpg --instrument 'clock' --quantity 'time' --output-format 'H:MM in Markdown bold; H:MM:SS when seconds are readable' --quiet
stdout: **4:57:26**
